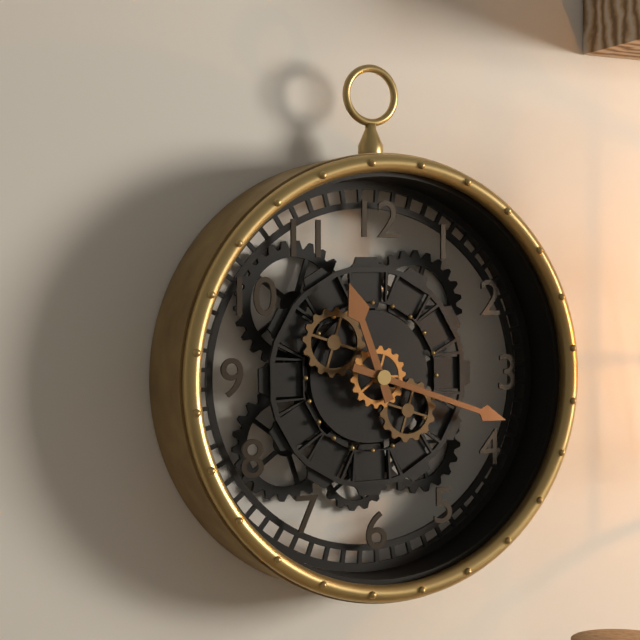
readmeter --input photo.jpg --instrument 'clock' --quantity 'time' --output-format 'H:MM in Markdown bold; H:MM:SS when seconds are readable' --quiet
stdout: **11:18**
